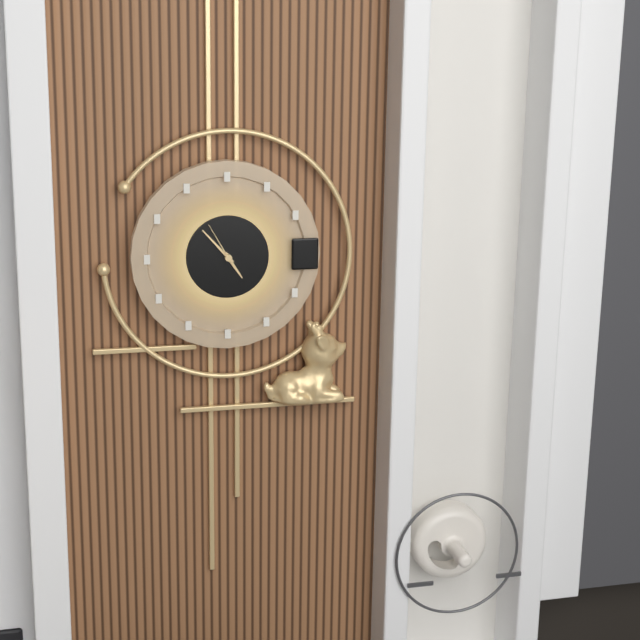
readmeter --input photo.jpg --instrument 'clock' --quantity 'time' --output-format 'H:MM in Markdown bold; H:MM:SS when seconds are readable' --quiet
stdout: **4:53**
